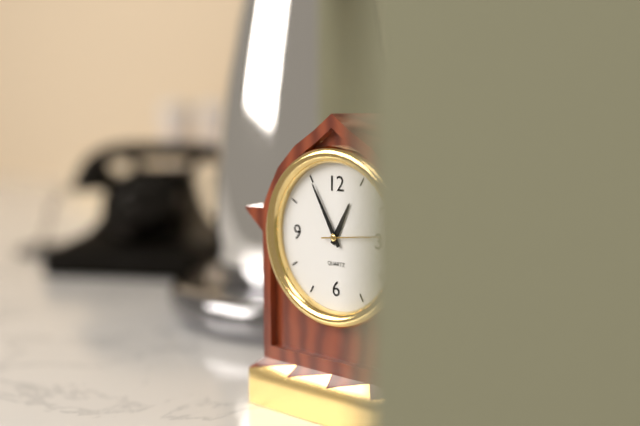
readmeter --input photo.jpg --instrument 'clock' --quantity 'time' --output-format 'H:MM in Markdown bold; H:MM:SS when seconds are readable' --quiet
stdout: **12:55**
